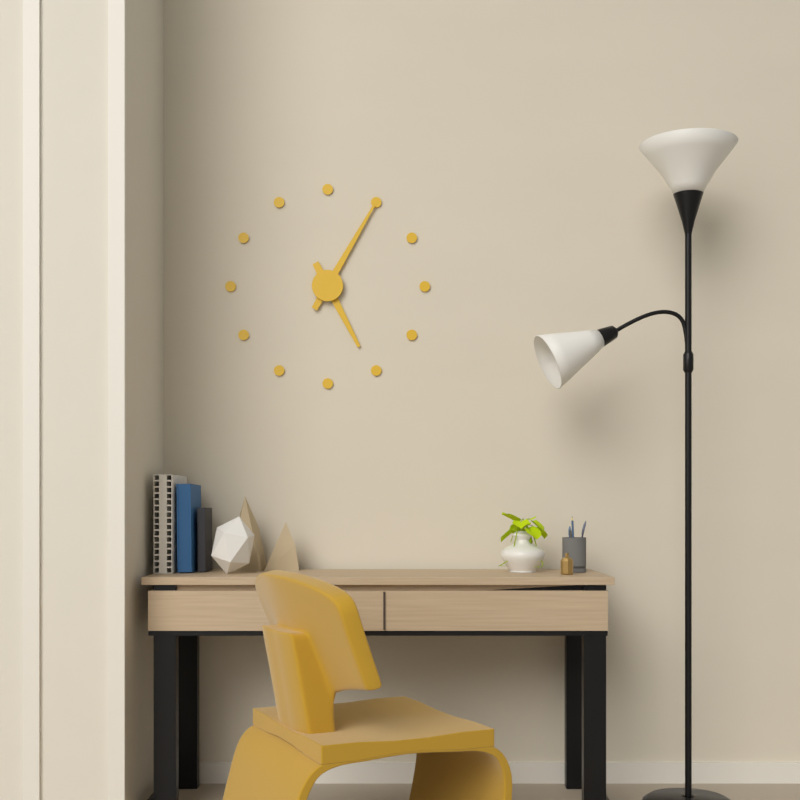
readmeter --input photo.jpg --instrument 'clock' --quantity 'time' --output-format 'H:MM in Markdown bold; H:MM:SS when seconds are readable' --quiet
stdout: **5:05**
